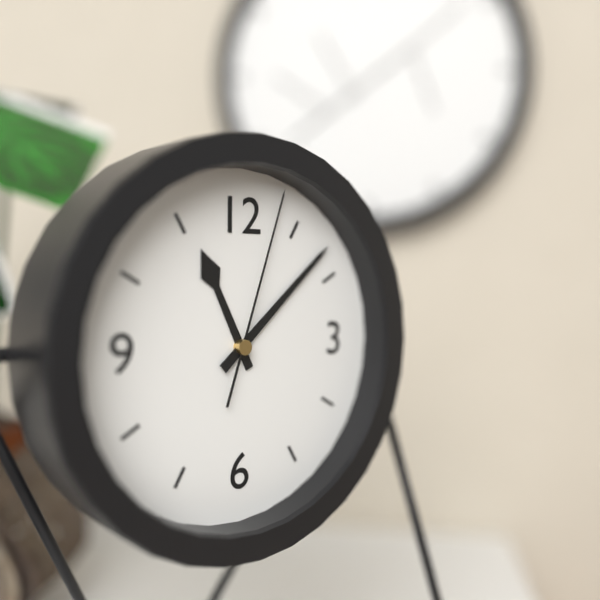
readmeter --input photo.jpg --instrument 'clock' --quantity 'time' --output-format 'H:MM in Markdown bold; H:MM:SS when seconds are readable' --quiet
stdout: **11:08:03**
